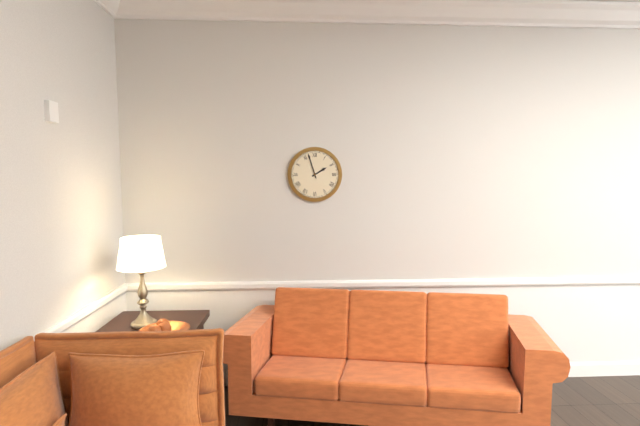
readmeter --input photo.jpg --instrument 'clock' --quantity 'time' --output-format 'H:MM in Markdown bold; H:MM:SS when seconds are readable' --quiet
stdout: **1:57**
